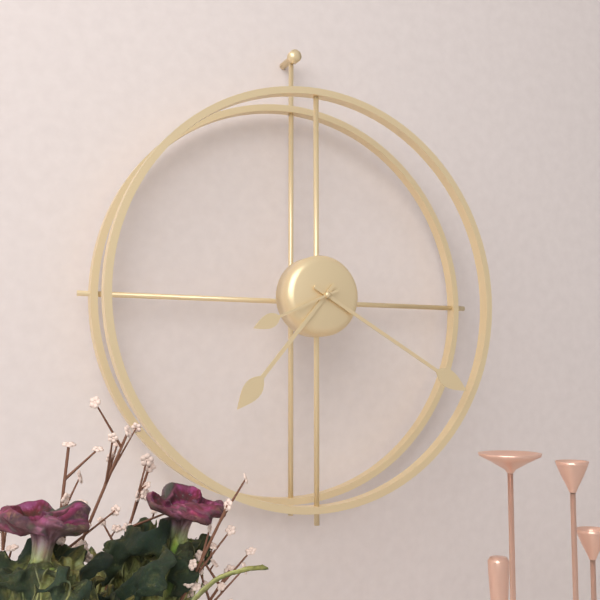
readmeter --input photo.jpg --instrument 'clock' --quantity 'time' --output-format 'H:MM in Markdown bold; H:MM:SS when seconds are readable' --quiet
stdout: **7:20:41**
